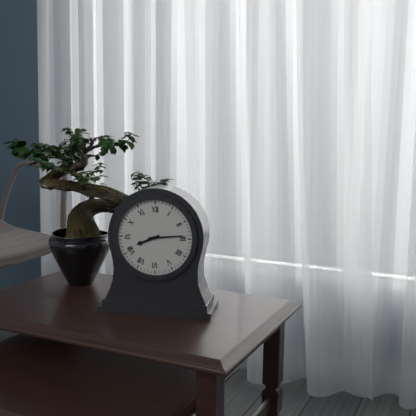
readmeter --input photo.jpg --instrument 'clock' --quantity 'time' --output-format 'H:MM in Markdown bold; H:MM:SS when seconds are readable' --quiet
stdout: **8:14**
